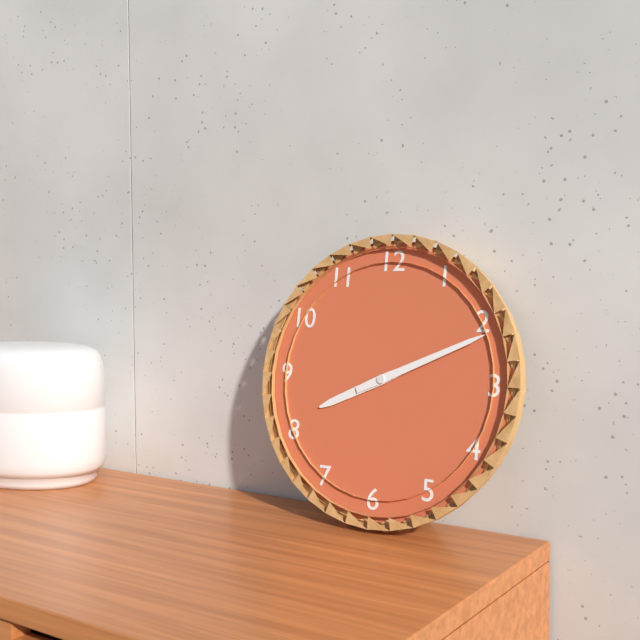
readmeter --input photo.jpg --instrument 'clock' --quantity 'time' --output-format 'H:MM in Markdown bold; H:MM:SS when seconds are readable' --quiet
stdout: **8:11**
